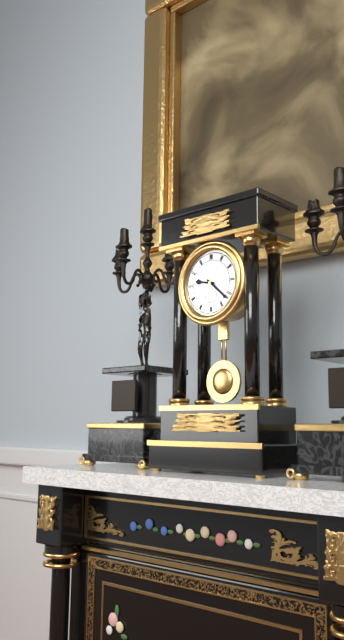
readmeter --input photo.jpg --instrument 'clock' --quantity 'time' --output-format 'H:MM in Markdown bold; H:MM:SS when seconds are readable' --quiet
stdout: **9:22**
